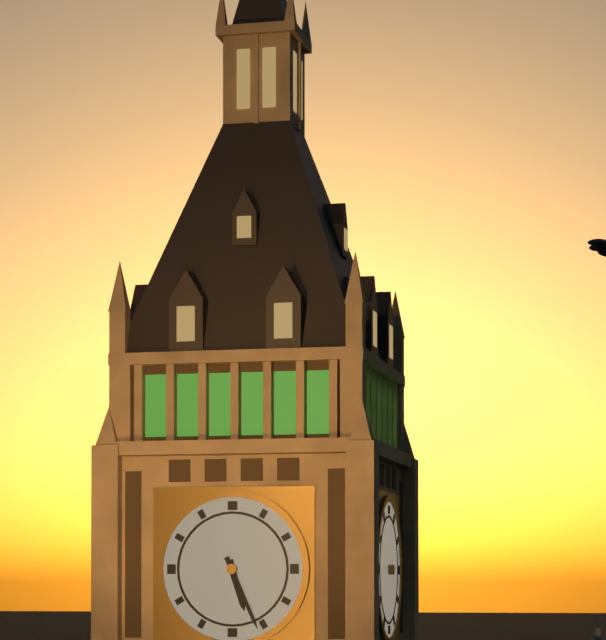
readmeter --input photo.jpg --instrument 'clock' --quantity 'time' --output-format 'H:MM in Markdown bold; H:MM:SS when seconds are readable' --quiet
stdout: **5:26**
